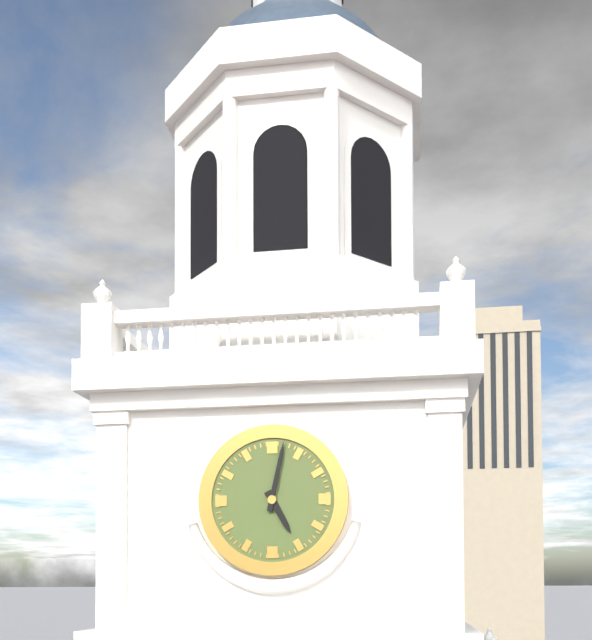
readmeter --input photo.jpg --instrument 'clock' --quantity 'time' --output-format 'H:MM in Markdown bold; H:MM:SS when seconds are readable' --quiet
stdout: **5:02**
